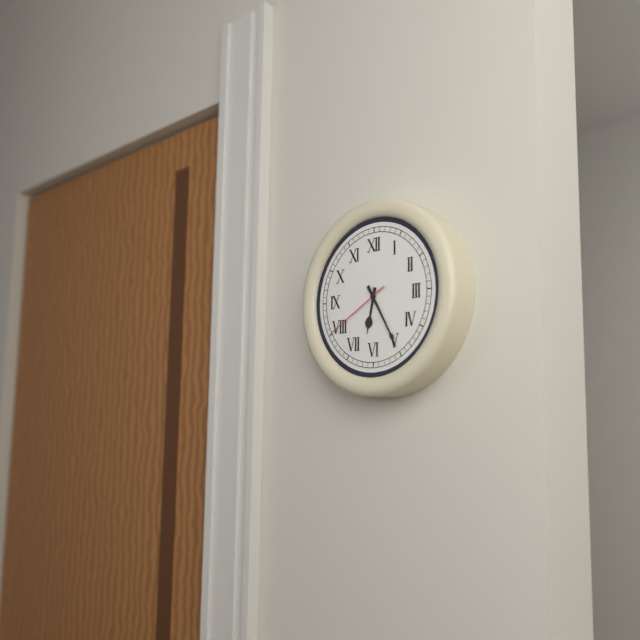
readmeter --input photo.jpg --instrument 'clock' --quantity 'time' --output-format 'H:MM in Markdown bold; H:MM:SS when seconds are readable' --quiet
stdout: **6:25:40**
